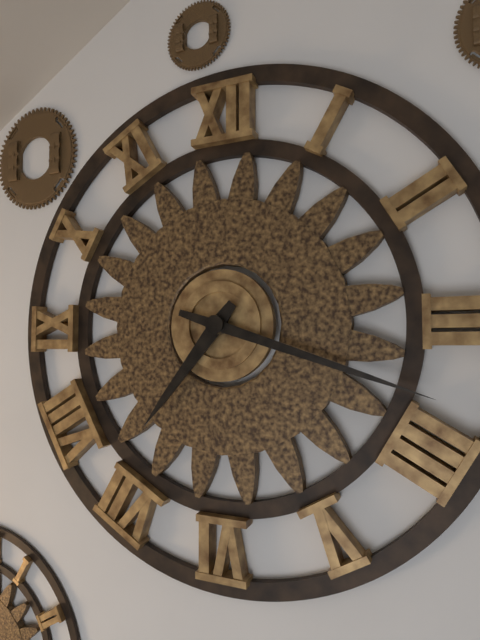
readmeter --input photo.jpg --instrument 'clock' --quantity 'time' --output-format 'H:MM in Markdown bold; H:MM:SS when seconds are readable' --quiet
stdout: **7:18**
